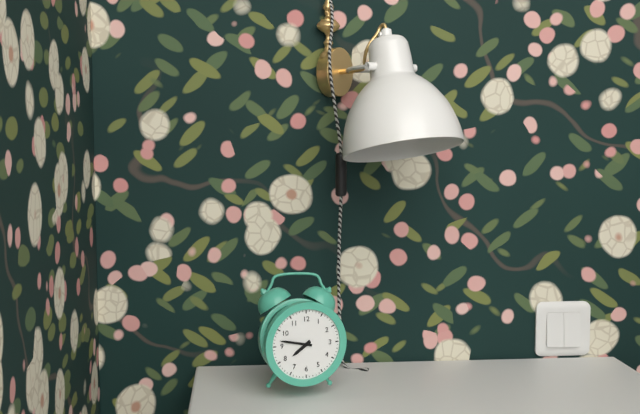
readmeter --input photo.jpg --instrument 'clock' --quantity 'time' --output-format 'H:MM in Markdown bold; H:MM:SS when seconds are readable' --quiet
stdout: **7:47**
